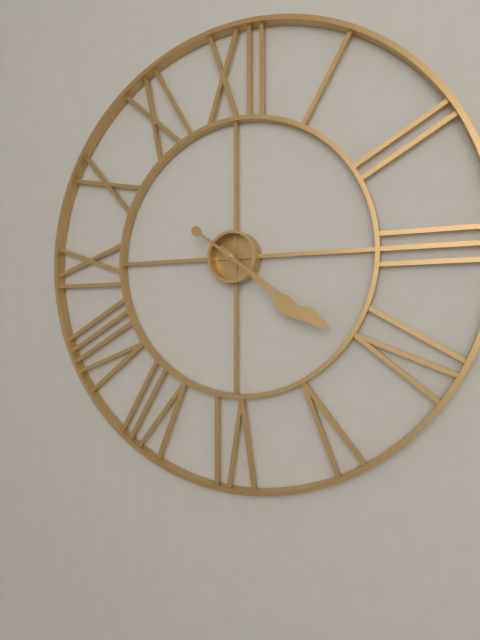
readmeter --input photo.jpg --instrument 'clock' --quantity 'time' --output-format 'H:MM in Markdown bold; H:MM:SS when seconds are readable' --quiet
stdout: **4:21**
